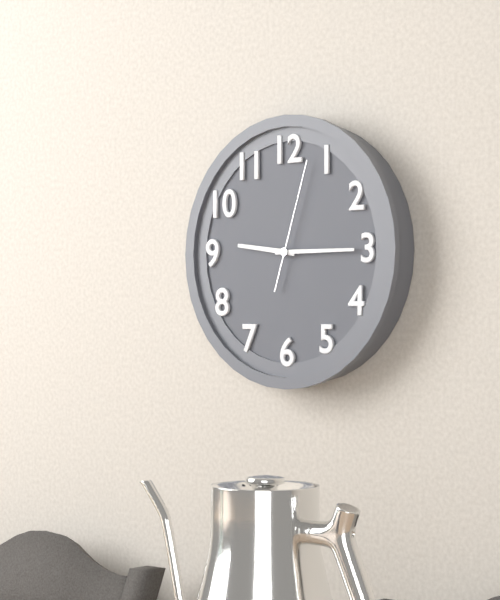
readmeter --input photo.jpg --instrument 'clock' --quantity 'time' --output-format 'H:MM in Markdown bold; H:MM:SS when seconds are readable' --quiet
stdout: **9:15:03**
